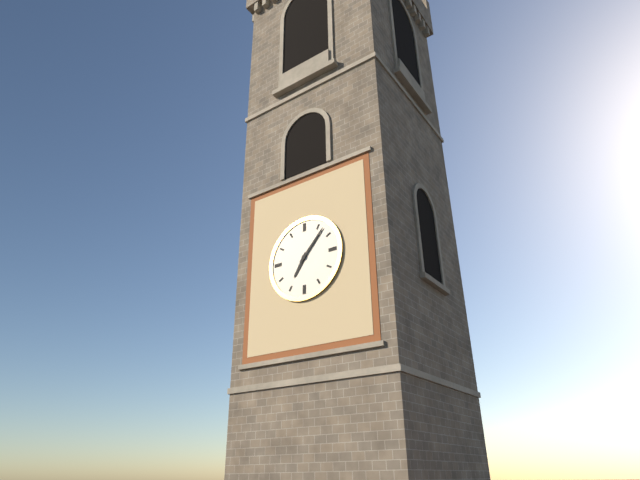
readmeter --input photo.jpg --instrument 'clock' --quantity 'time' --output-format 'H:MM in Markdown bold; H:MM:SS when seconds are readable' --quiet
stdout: **7:07**
